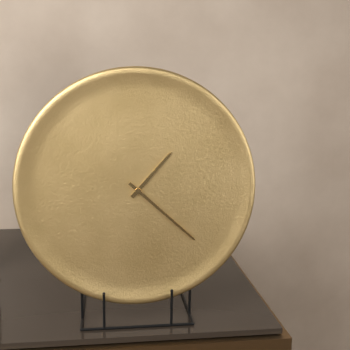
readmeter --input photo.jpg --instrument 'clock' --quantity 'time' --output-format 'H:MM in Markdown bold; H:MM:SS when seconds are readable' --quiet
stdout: **1:22**
